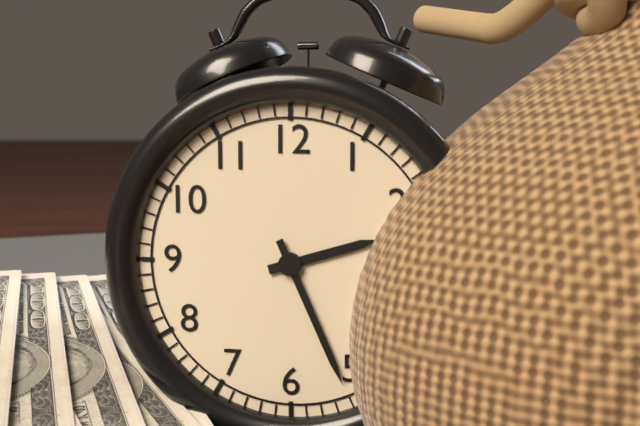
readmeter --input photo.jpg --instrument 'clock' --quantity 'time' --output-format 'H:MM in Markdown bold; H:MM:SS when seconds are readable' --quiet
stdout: **2:26**
